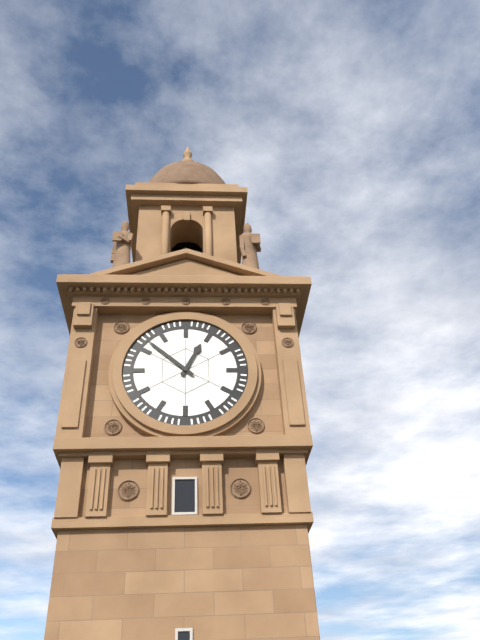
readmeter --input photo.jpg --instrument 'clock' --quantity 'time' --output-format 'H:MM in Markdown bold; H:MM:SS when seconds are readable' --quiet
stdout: **12:52**
